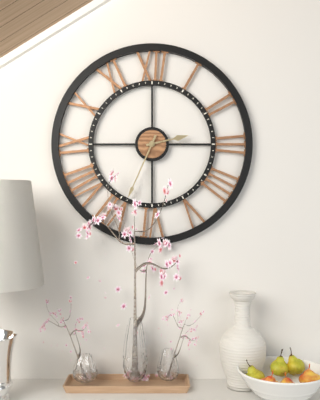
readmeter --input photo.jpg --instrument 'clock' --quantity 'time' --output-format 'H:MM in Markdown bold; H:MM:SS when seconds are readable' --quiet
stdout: **2:34**
